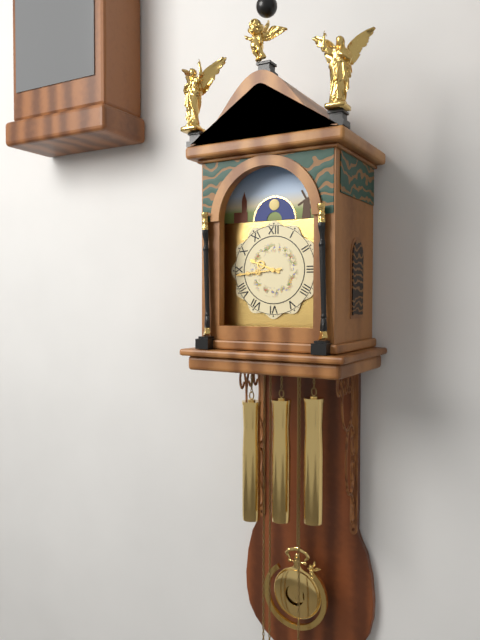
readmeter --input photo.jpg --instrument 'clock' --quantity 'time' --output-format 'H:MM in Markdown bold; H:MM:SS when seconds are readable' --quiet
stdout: **9:44**
